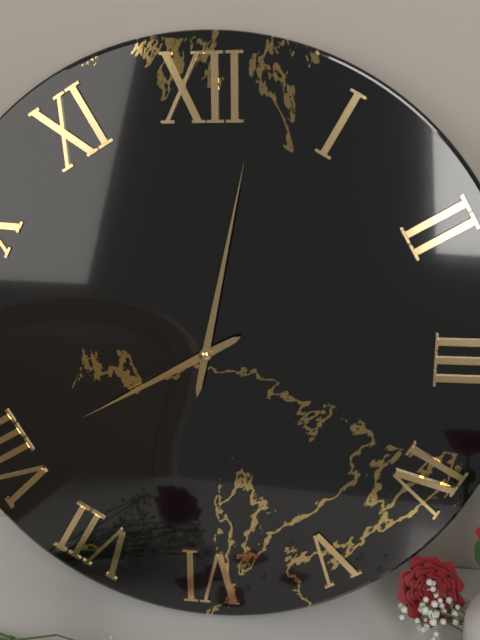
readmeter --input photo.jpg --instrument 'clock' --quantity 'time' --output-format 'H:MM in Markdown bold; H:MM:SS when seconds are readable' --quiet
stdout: **8:02**
